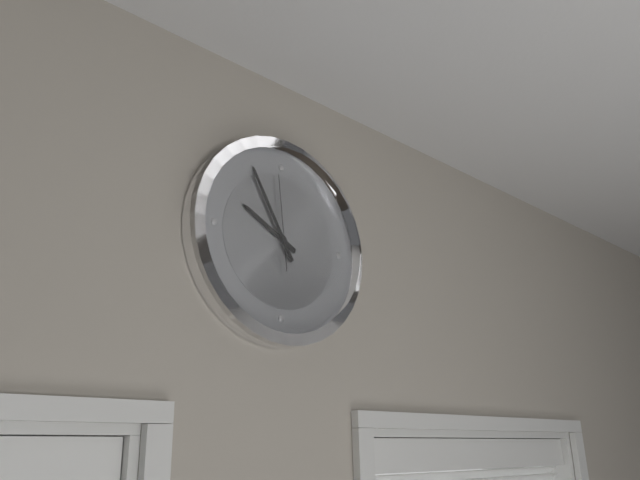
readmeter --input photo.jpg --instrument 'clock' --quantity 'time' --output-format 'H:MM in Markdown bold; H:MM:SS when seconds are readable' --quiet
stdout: **9:55:59**
